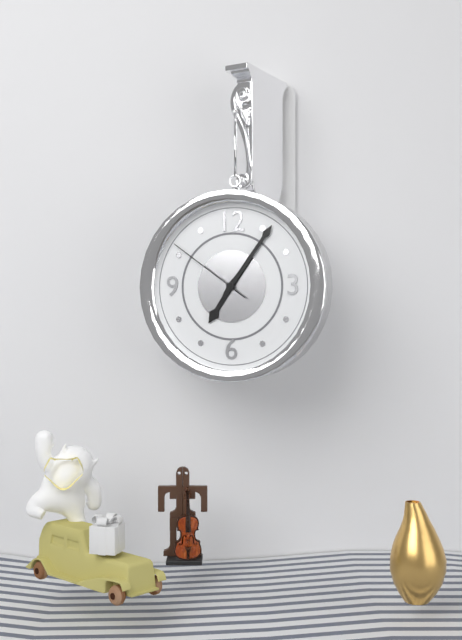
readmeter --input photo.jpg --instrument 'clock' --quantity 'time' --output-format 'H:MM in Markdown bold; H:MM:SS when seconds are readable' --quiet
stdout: **7:06:51**
